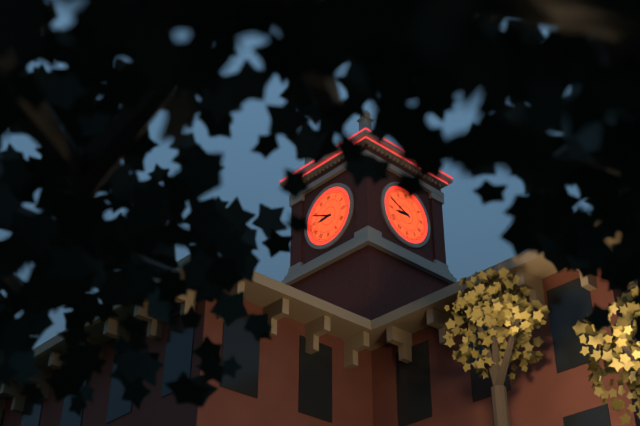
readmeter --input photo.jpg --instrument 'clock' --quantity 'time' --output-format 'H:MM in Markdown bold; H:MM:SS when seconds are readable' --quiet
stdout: **8:49**
